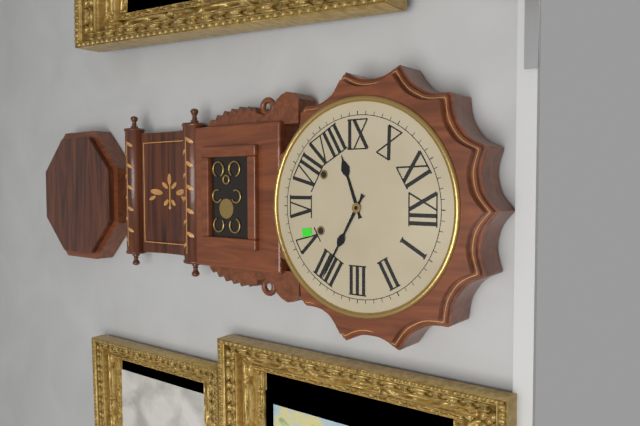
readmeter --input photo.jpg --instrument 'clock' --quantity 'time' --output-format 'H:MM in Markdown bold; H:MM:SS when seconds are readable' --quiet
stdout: **8:20**
